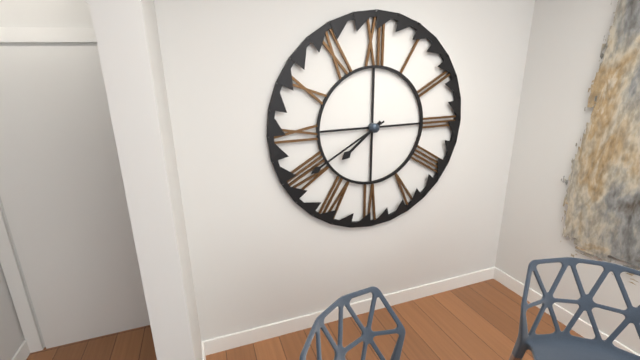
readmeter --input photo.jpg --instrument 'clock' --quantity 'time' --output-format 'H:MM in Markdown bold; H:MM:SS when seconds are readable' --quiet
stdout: **7:40**
